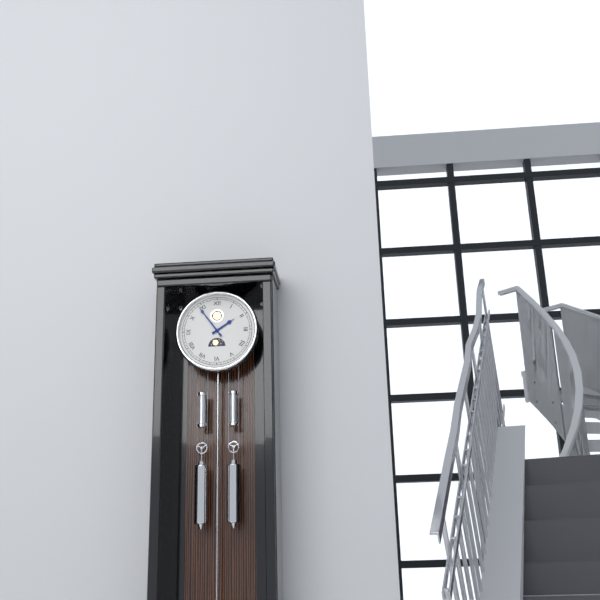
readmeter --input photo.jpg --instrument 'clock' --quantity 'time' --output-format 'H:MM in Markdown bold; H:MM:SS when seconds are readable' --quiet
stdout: **1:54**
